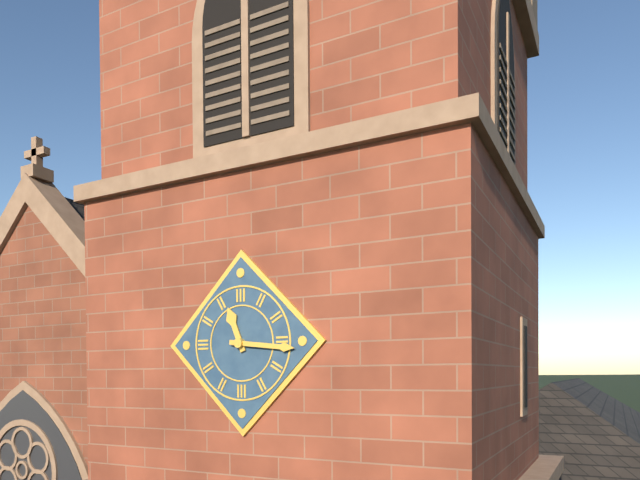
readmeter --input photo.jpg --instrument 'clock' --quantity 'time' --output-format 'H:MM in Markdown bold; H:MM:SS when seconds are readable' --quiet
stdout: **11:16**
